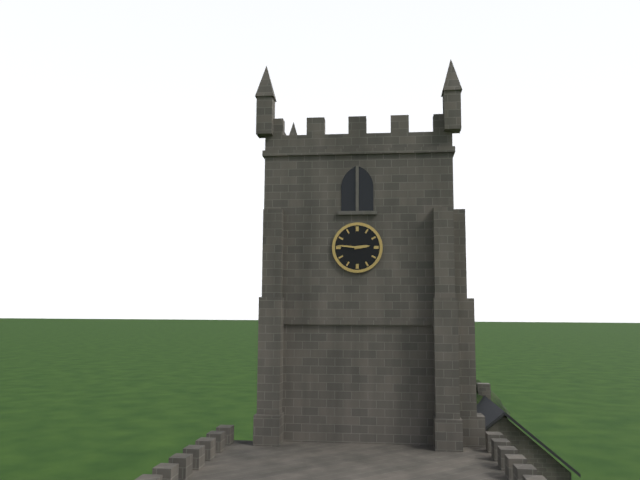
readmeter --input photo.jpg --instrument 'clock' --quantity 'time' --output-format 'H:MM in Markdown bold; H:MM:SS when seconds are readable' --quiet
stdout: **2:46**
